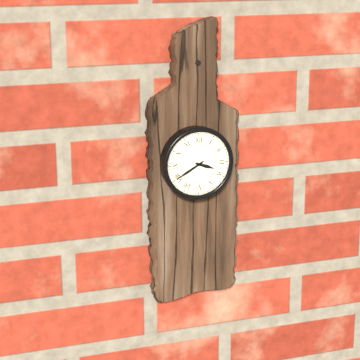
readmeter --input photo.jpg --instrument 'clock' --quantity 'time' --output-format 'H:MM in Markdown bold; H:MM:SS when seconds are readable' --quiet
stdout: **3:40**
